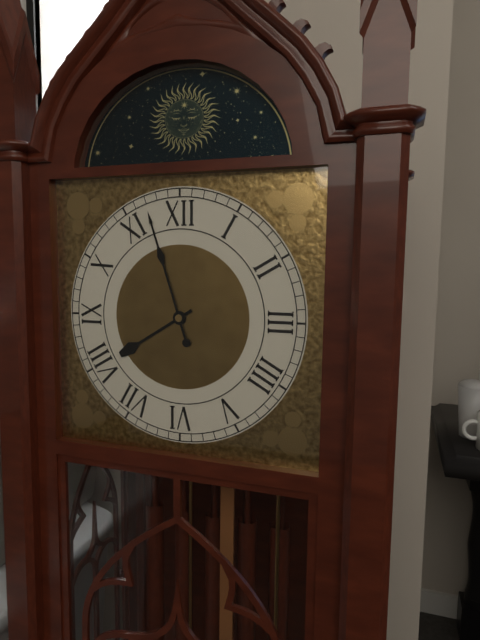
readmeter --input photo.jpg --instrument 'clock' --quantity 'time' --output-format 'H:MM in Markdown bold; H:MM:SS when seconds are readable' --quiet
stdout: **7:57**
